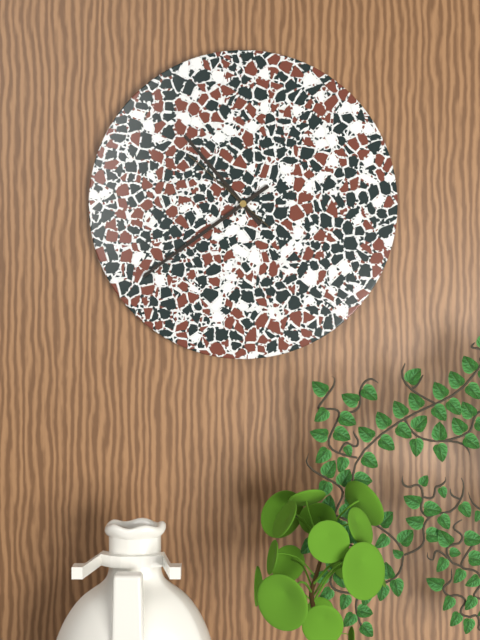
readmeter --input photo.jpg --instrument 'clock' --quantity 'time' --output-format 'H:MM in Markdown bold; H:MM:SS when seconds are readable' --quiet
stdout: **10:39:52**
